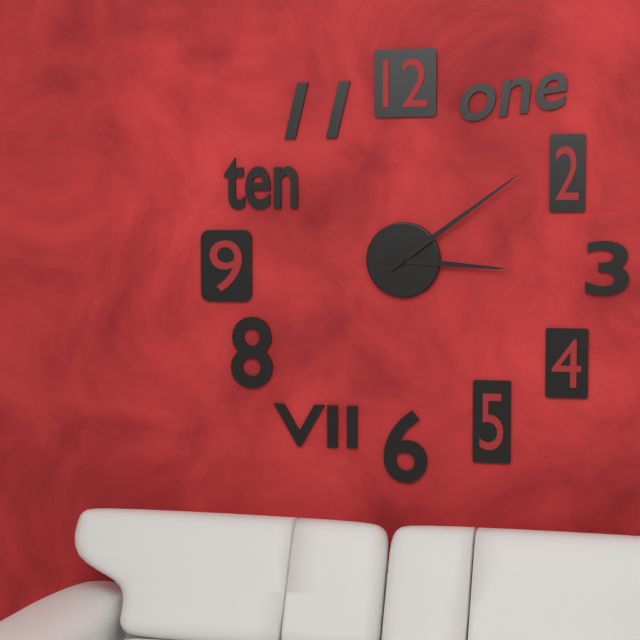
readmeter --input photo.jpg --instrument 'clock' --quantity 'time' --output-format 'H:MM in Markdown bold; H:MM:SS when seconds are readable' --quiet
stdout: **3:09**
